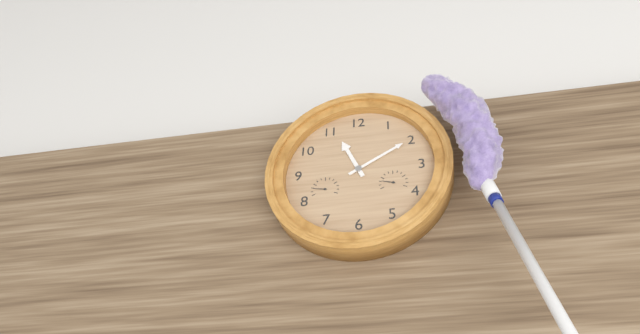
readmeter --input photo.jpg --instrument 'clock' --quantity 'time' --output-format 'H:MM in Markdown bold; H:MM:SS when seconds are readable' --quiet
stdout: **11:10**
